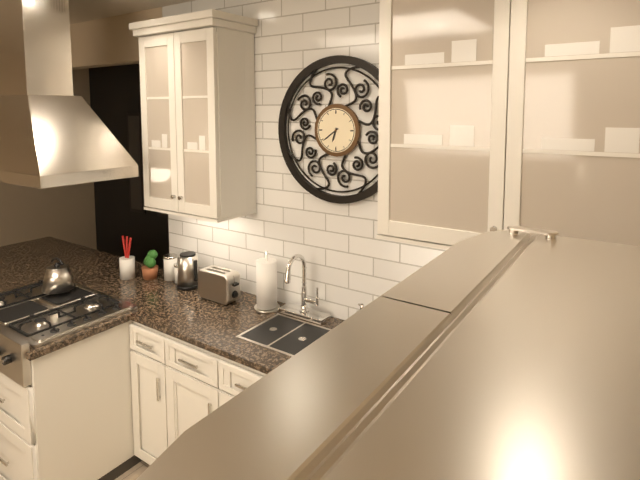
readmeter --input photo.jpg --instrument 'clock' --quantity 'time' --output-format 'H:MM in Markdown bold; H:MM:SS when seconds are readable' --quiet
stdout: **6:39**
